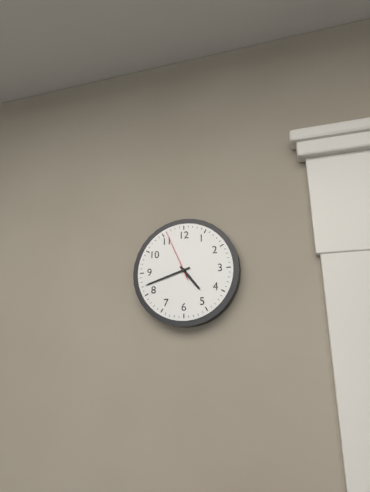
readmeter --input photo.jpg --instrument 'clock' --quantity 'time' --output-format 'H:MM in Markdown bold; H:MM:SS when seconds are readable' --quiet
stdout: **4:42:56**
